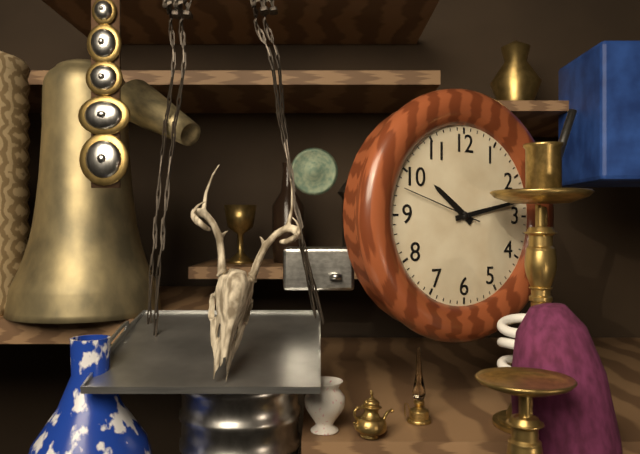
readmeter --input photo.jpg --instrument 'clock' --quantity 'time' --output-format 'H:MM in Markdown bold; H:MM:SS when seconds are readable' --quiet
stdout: **10:13:48**
